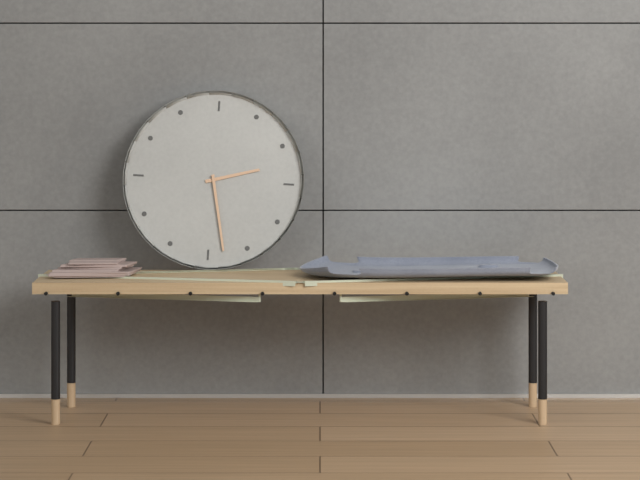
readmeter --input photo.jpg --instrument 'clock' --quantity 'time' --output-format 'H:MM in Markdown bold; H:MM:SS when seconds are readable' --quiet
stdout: **2:28**
